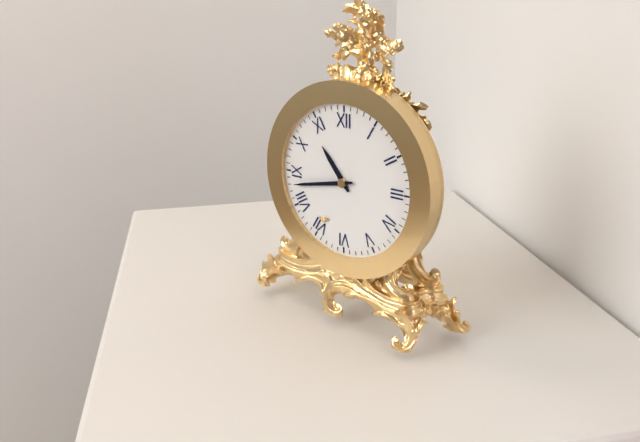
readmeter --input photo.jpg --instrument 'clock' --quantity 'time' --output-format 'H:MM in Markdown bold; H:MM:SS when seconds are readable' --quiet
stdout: **10:43**
